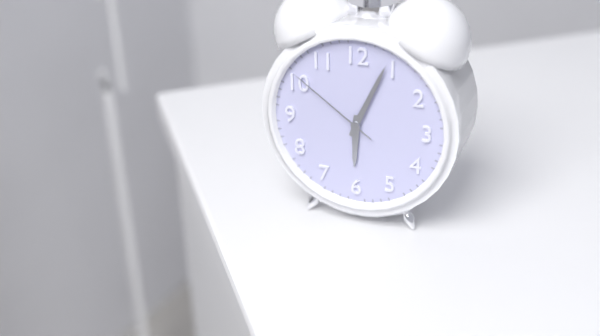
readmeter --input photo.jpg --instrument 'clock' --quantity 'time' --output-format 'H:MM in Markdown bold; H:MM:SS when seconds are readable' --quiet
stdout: **6:04:51**
